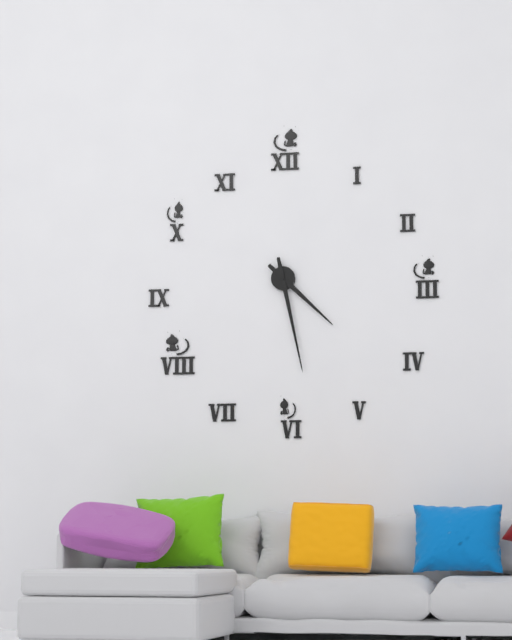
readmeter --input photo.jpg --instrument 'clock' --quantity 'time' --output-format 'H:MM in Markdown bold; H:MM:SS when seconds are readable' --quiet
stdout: **4:28**
